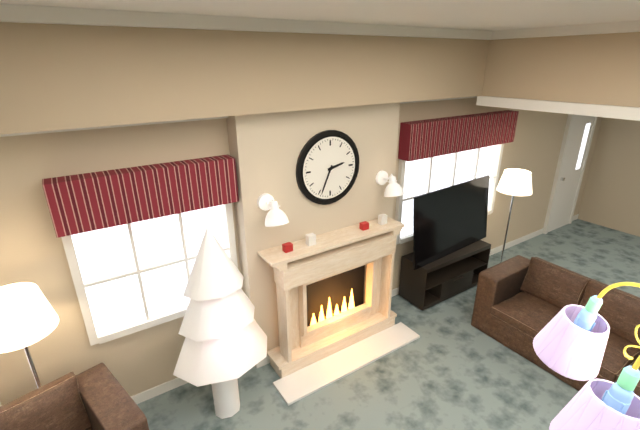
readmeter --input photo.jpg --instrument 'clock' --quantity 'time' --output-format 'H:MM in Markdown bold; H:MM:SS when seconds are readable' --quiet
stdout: **2:34**
